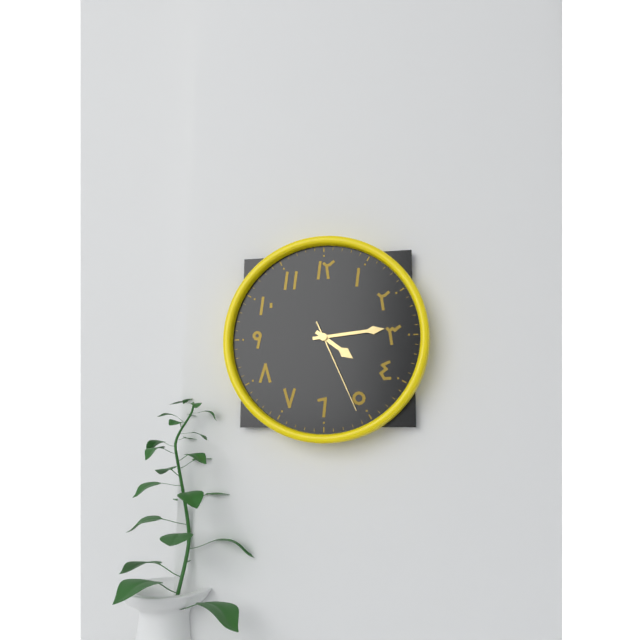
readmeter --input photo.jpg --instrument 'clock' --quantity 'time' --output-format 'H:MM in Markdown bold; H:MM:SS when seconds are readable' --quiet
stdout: **4:14:26**
